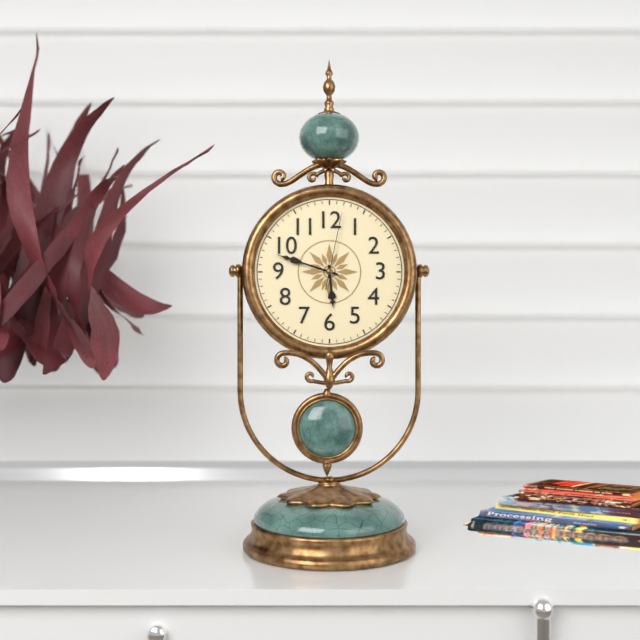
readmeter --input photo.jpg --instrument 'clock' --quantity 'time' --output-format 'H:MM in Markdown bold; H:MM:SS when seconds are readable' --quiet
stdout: **5:48:02**
